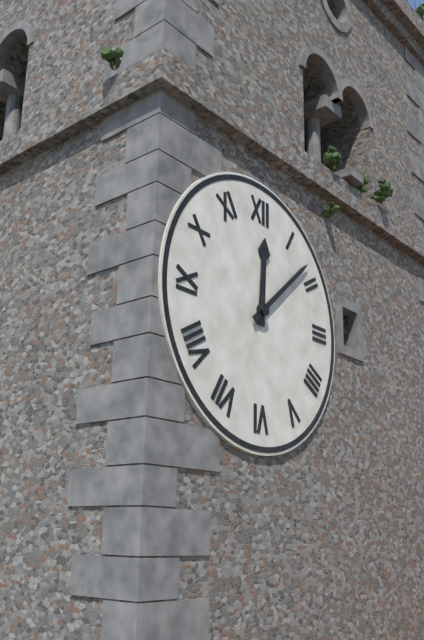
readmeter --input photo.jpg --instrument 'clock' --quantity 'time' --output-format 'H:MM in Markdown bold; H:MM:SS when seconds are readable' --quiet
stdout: **12:08**
